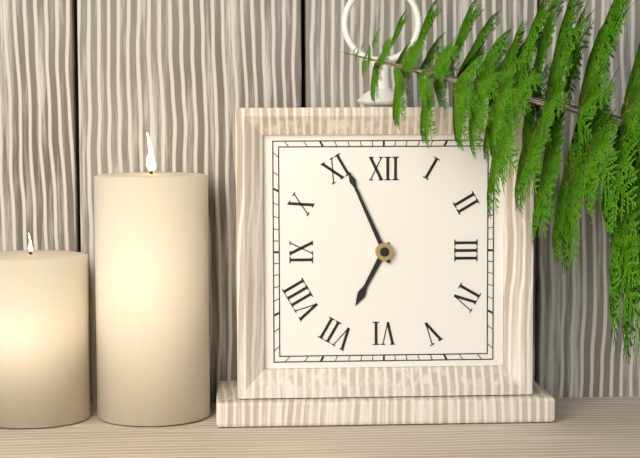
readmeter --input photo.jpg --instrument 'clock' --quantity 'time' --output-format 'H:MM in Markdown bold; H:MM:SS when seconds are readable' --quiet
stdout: **6:56**
